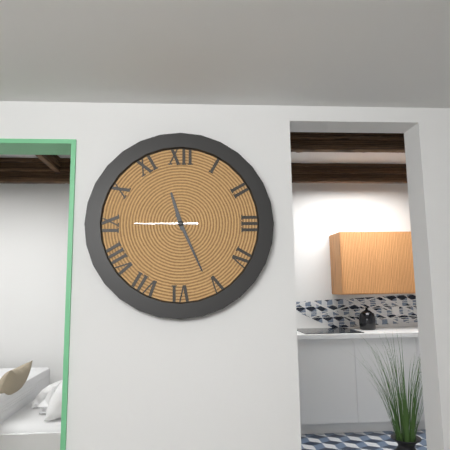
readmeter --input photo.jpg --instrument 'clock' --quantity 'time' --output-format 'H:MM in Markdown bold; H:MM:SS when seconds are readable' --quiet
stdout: **11:26:45**
